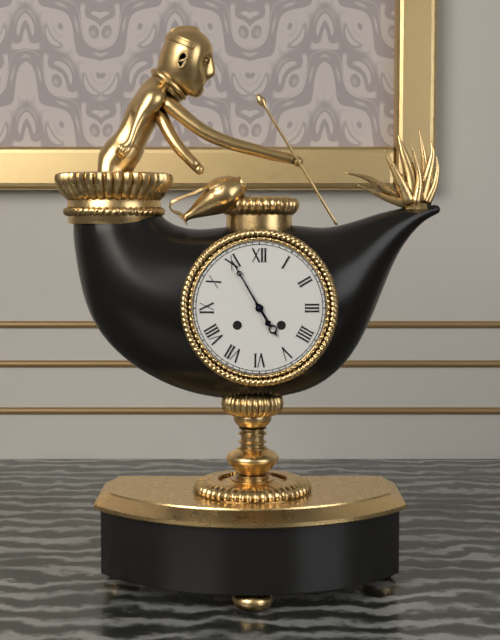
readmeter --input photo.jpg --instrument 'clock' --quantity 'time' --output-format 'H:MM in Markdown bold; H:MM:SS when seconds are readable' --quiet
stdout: **4:55**
